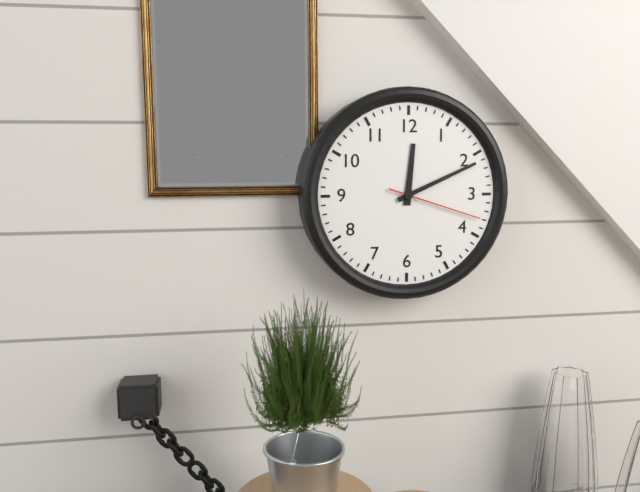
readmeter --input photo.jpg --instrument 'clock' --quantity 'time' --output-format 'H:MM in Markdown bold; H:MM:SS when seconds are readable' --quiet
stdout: **12:11:18**
